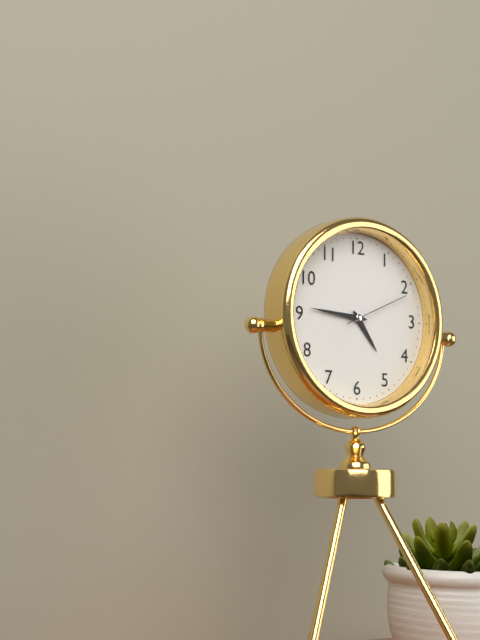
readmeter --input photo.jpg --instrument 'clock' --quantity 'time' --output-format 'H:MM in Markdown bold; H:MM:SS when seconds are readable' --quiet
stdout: **4:46:11**
